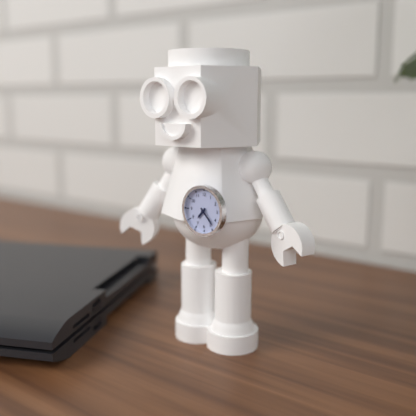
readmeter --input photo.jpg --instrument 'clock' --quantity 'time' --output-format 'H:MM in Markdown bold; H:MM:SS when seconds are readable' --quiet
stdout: **7:23**
